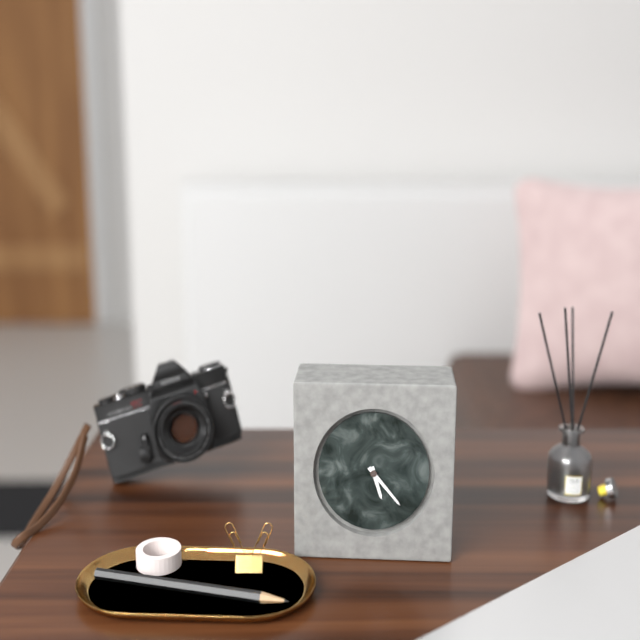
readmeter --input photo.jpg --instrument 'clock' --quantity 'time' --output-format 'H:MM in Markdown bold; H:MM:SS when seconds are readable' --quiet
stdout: **5:23**
